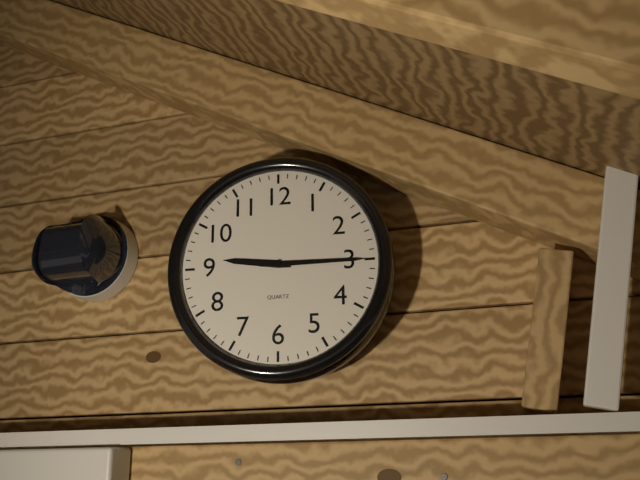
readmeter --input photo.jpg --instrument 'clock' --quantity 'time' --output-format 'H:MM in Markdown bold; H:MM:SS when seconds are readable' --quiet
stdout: **9:15**
